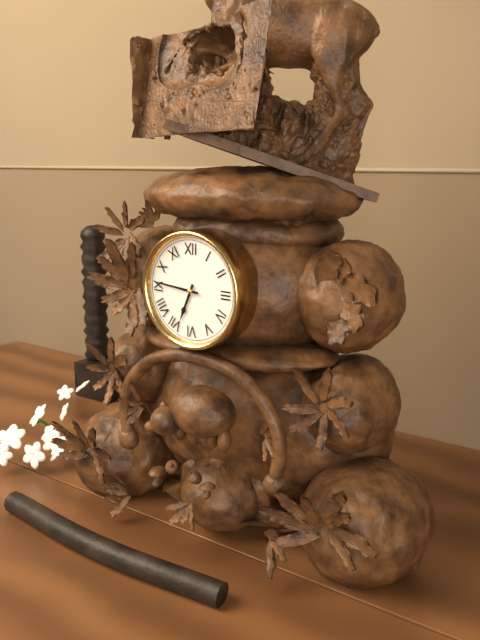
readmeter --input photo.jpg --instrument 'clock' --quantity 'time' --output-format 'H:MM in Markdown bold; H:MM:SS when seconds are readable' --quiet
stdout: **6:46**
